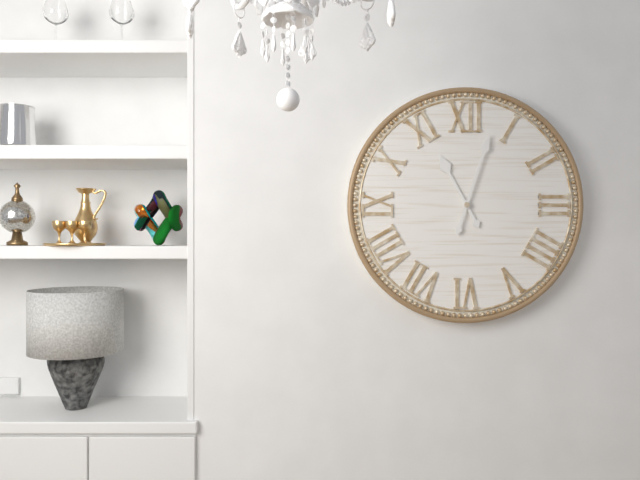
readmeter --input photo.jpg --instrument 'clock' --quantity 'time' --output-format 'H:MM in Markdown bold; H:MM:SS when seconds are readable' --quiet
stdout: **11:03**
